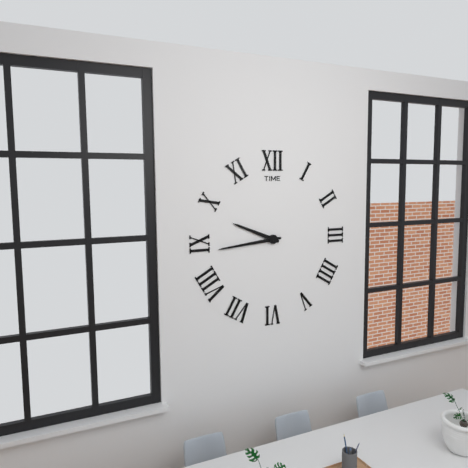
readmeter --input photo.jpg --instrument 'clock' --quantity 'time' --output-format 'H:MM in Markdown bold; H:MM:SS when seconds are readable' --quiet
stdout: **9:44**
